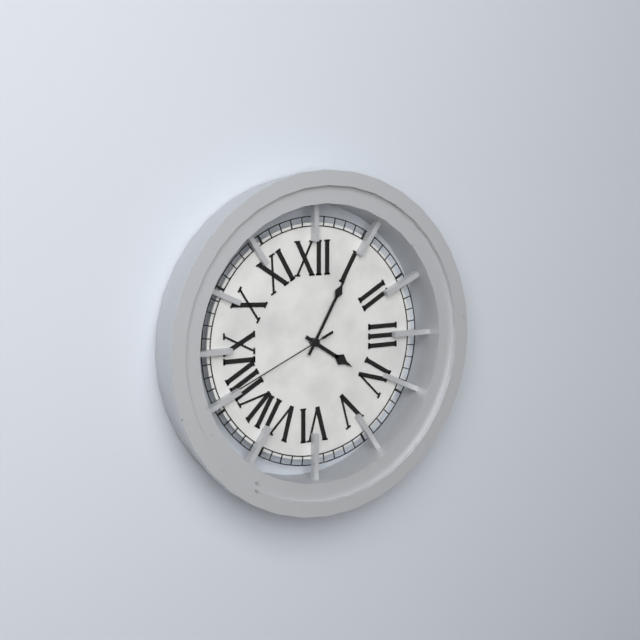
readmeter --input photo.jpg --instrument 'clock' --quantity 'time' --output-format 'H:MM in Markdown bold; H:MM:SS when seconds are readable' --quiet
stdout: **4:05:41**
